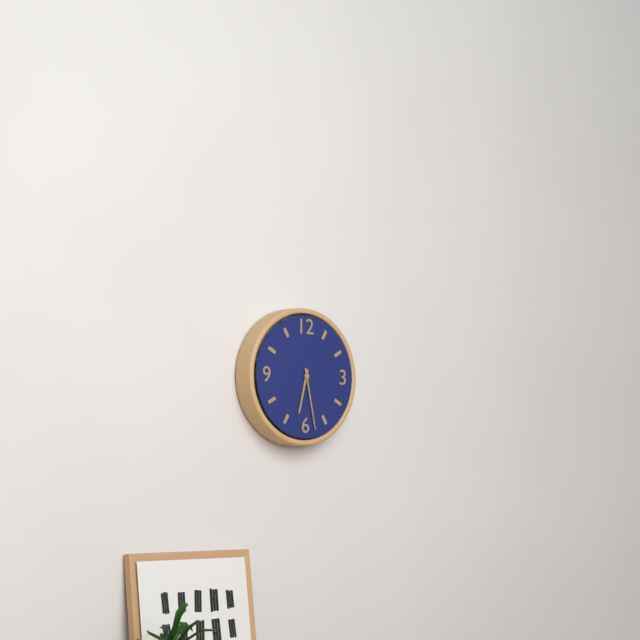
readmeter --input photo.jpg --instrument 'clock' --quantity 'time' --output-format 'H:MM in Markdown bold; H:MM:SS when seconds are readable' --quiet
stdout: **6:28**
